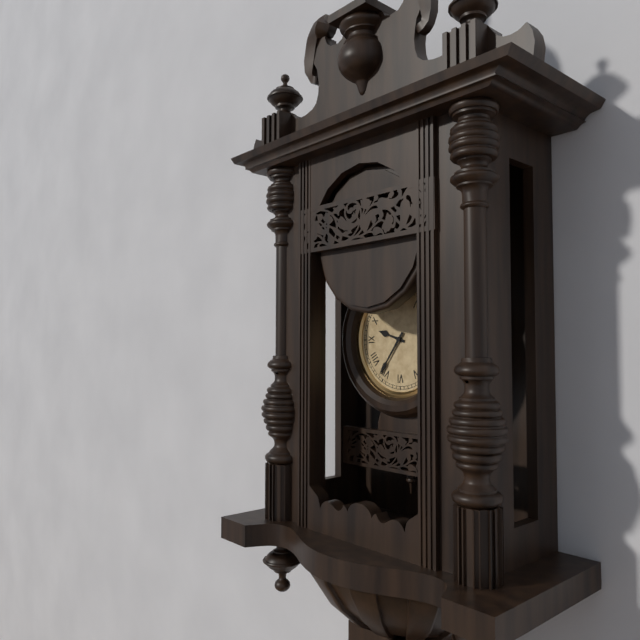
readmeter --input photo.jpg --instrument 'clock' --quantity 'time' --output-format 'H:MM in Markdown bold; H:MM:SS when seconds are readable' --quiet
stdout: **9:36**
